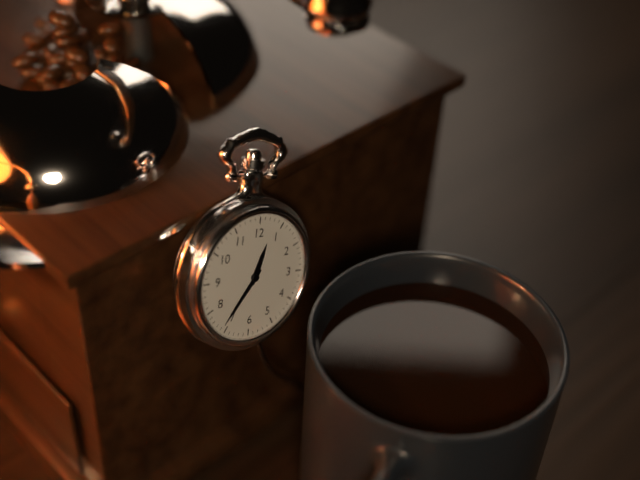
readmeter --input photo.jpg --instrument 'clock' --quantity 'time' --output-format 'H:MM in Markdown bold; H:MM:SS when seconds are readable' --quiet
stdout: **12:36**
